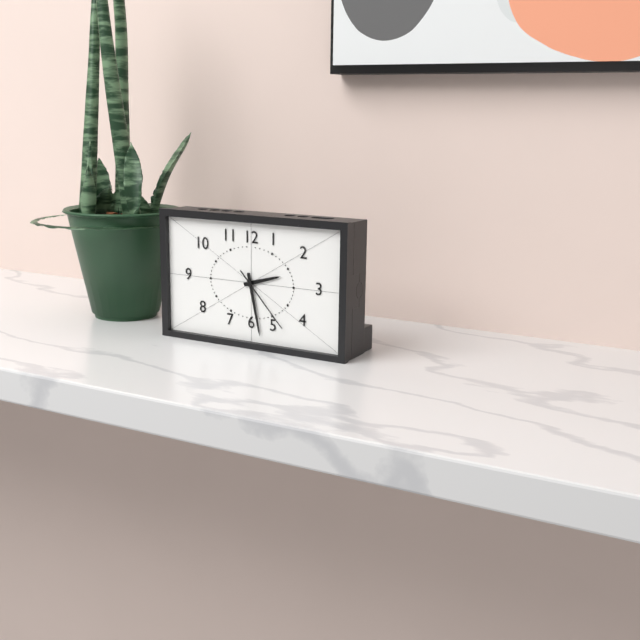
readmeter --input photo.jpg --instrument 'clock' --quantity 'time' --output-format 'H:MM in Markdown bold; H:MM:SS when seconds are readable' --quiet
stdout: **2:28:23**
